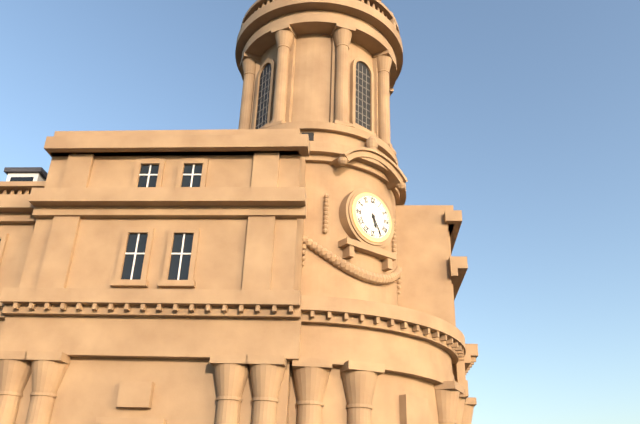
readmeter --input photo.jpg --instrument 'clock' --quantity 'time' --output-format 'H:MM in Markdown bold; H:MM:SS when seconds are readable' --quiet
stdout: **5:25**
